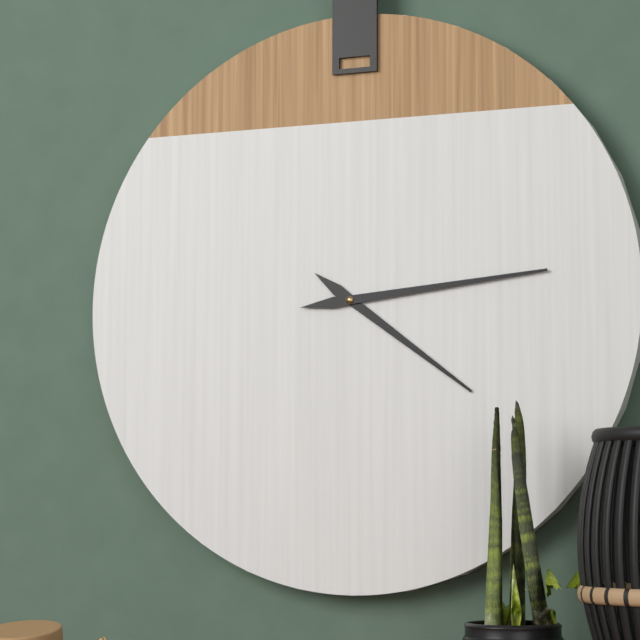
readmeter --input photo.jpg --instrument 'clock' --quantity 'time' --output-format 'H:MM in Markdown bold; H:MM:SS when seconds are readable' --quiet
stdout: **4:14**
